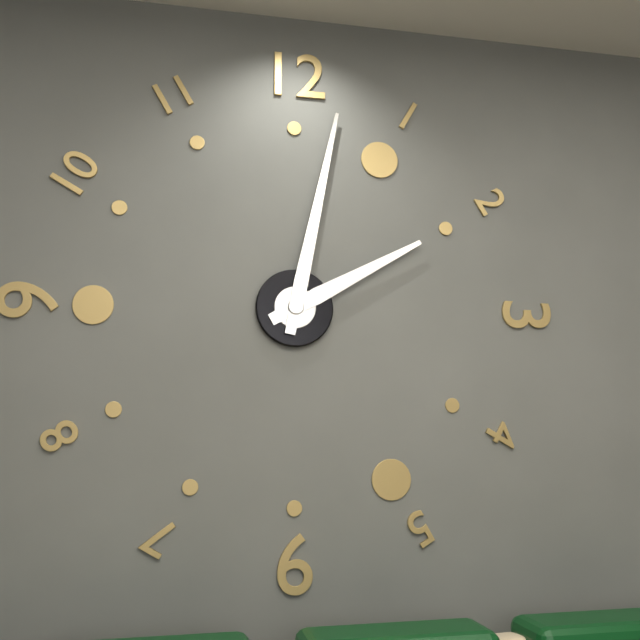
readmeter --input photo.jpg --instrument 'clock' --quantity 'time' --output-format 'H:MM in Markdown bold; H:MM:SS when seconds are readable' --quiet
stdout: **2:02**
